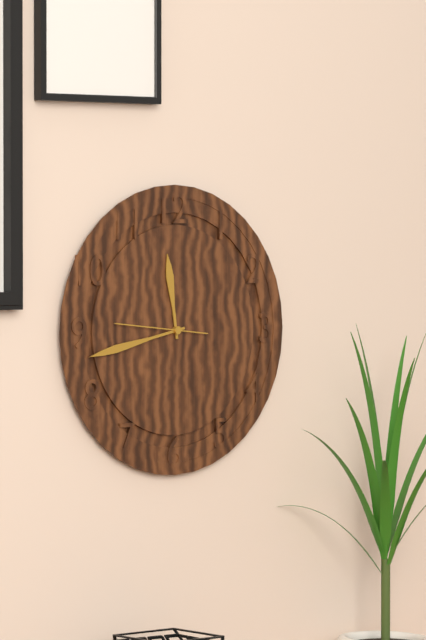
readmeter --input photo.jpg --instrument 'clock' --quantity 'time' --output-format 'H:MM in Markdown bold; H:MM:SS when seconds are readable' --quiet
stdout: **11:43:46**
